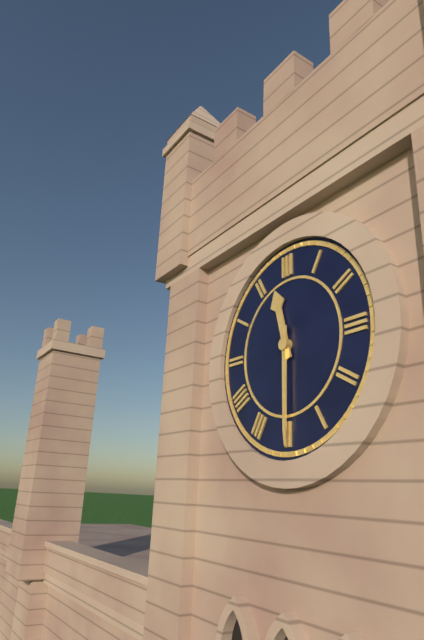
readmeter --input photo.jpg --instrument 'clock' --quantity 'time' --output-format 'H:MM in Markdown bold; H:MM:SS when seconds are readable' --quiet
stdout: **11:30**
